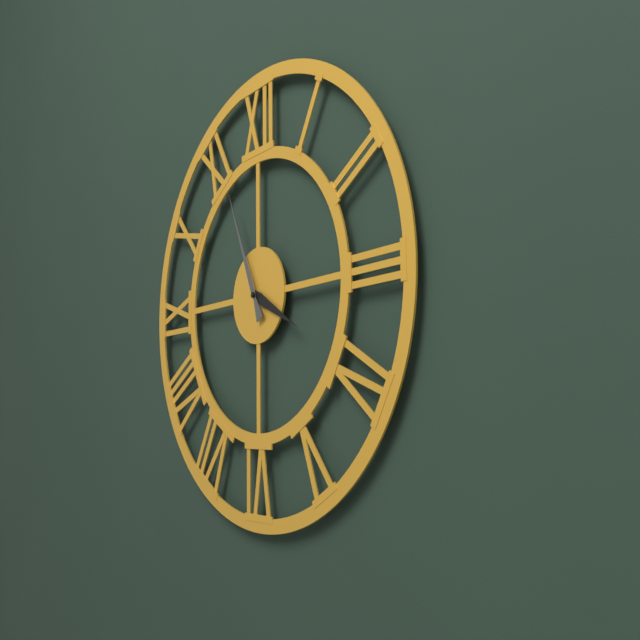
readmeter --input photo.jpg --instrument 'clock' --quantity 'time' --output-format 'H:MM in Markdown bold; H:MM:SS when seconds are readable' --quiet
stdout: **3:56**
